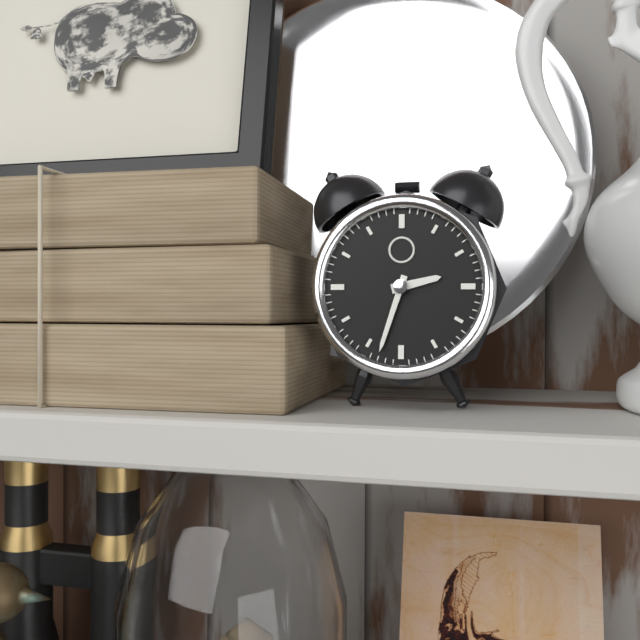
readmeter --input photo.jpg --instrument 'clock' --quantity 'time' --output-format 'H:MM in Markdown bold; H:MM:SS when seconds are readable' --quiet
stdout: **2:33**
